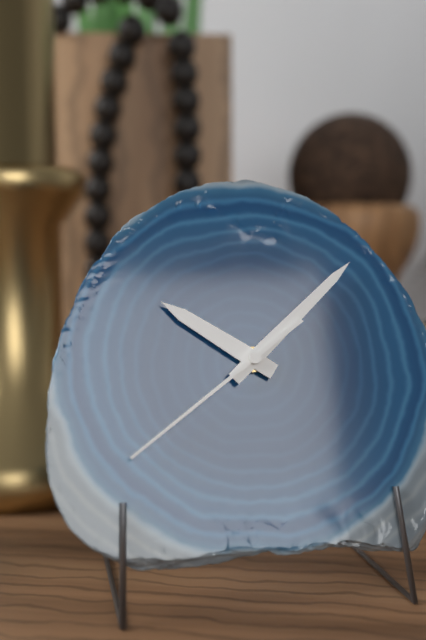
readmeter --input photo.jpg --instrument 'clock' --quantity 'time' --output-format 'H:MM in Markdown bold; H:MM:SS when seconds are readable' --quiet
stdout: **10:08:39**
